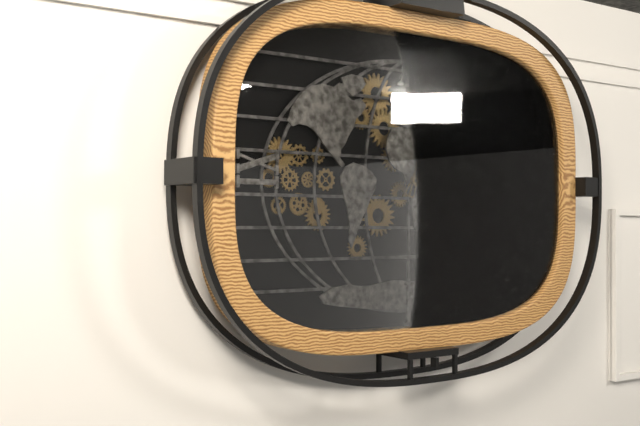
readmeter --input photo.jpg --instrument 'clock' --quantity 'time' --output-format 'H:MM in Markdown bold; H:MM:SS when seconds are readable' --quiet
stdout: **1:03**
